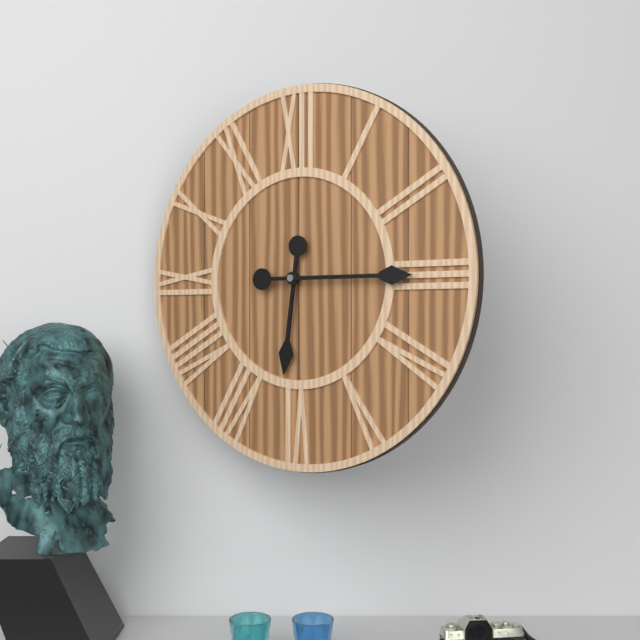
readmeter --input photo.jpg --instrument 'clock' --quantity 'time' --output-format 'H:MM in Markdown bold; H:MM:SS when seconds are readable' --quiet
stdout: **6:15**
